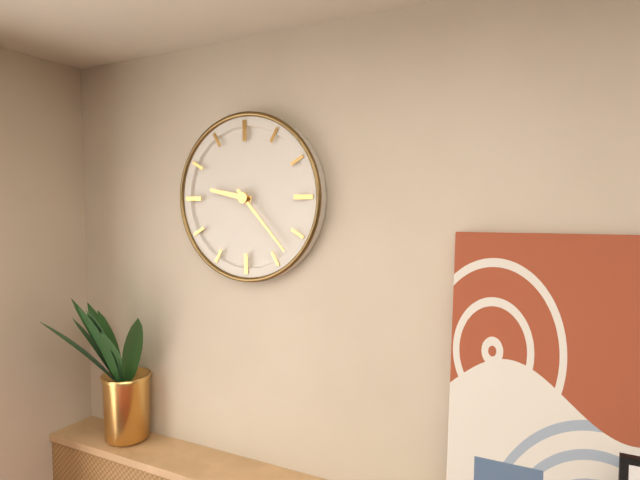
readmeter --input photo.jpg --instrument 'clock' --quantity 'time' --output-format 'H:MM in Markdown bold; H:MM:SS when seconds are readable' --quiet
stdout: **9:23**
